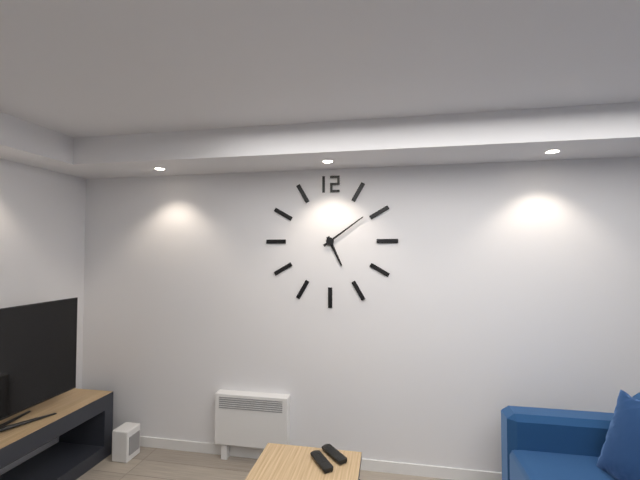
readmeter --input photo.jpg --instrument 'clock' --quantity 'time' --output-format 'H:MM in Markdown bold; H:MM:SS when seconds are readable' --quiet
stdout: **5:09**
